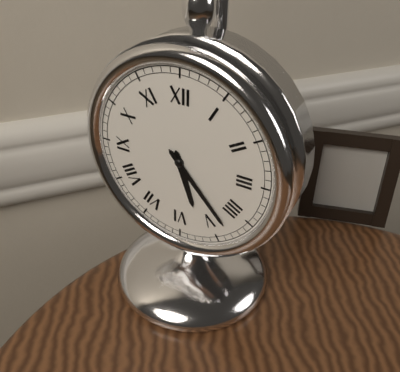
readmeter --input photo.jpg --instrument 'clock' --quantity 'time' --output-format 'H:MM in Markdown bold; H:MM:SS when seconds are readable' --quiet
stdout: **5:23**
